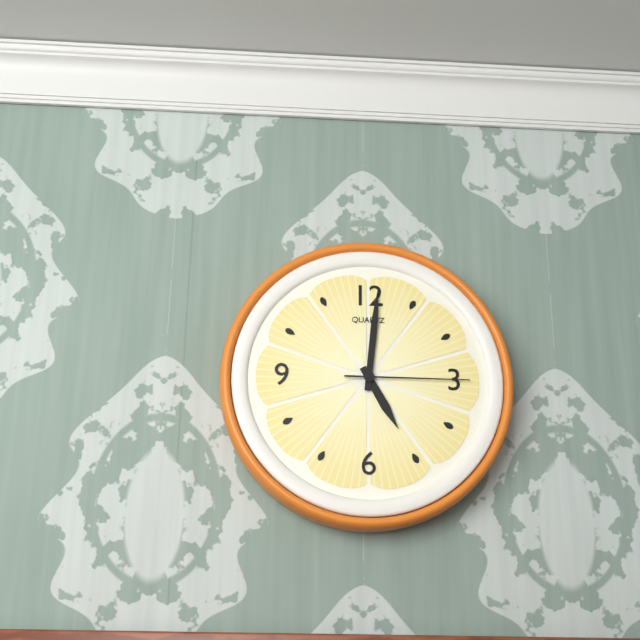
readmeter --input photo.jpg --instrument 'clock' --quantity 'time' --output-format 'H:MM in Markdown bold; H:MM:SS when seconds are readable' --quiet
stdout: **5:01:15**
